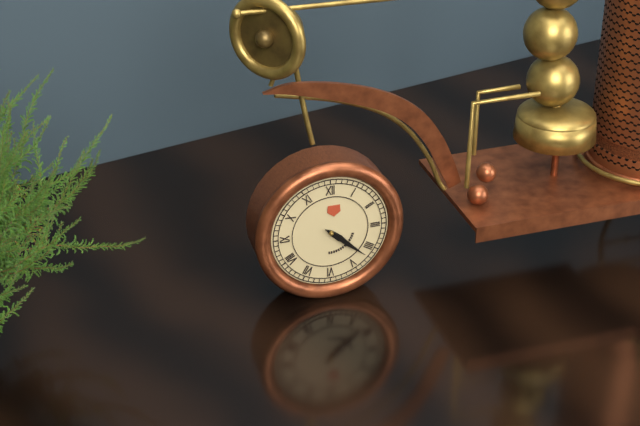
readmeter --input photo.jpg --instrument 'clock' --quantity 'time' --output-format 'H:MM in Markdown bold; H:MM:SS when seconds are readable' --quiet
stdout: **4:22**
